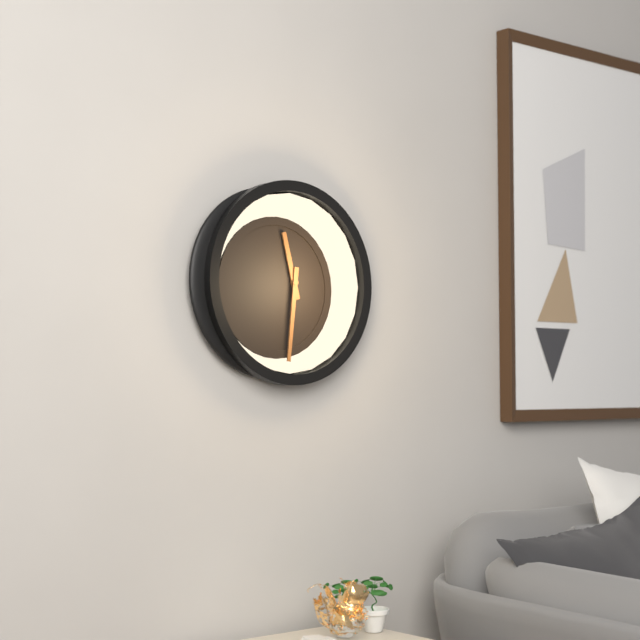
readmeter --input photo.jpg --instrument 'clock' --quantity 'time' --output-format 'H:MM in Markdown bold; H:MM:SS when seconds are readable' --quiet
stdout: **11:31**
